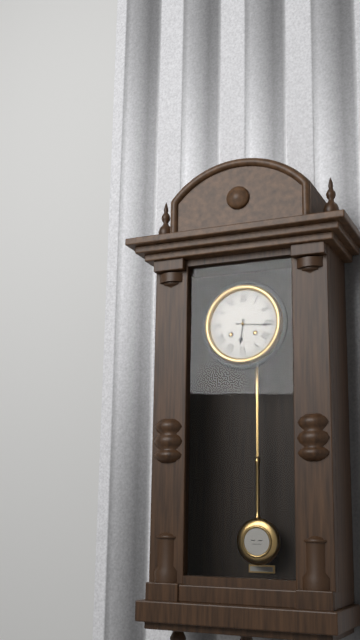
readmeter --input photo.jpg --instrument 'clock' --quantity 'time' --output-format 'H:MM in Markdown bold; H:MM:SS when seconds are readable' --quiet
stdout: **6:16**
